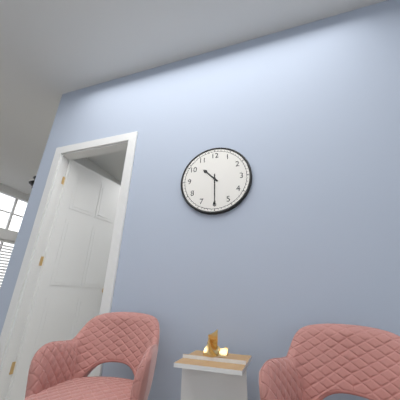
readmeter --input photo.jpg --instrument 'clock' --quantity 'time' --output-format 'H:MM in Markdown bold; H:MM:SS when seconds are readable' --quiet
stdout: **10:30**
